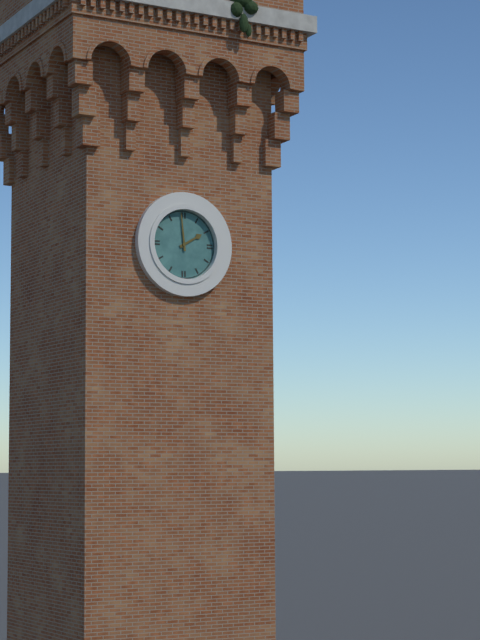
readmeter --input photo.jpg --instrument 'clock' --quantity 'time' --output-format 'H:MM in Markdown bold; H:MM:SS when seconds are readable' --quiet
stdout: **1:59**
